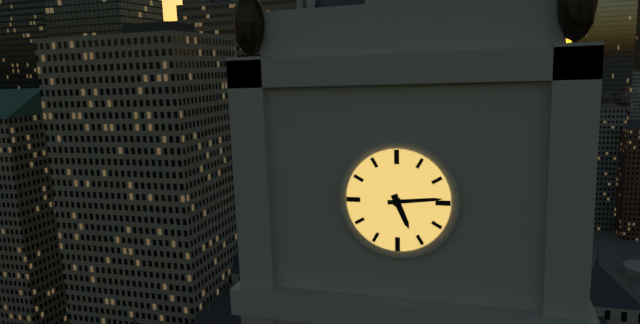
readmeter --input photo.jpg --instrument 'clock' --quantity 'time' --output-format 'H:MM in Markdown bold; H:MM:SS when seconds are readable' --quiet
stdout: **5:14**
